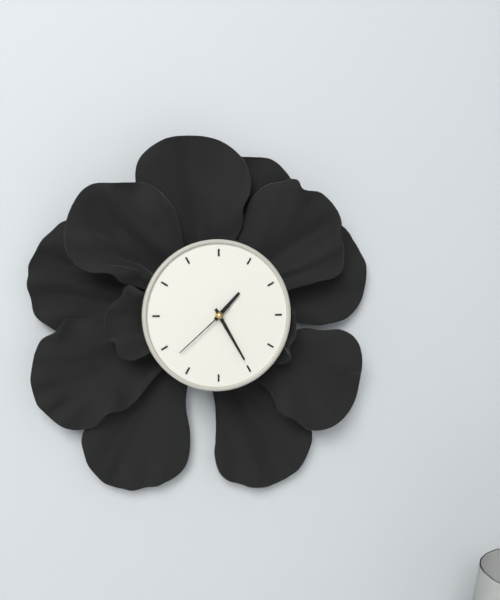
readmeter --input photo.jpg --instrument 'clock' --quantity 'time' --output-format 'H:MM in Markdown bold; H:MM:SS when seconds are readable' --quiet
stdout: **1:25:38**
